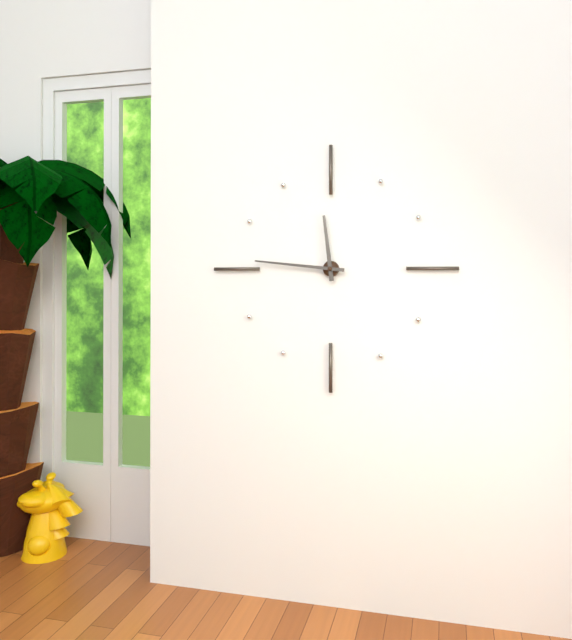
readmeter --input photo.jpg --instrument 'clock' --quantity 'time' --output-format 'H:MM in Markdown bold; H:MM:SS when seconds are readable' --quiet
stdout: **11:46**
